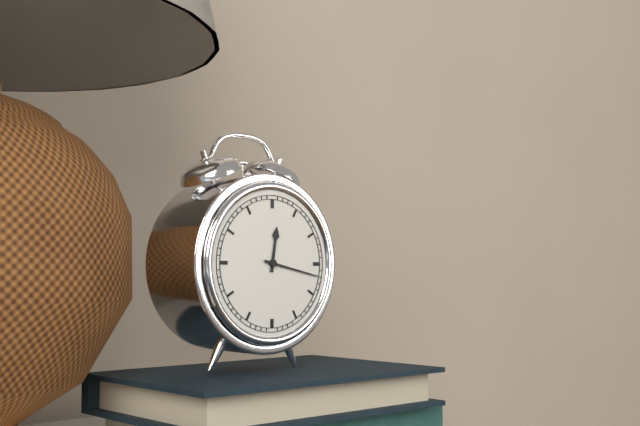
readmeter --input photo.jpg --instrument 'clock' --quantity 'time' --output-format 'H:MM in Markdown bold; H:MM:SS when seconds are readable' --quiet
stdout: **12:17**
